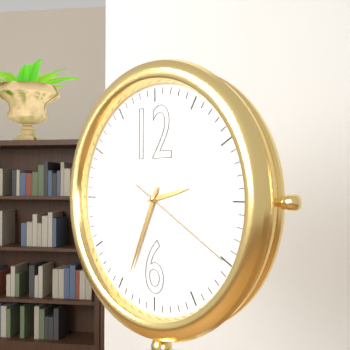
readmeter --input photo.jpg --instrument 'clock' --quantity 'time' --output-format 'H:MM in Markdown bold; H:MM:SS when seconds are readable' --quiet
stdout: **2:34:20**
